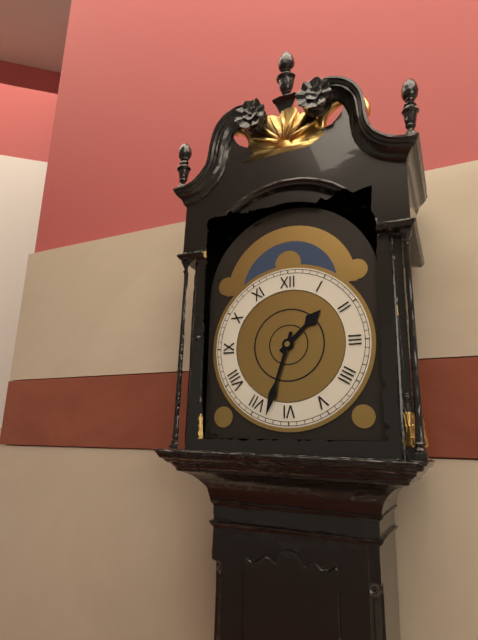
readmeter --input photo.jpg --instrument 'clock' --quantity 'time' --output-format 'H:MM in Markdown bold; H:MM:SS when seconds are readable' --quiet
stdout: **1:33**
